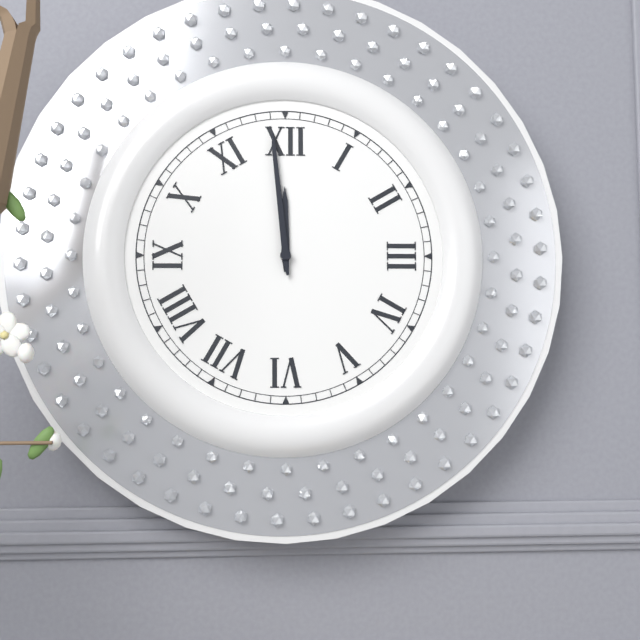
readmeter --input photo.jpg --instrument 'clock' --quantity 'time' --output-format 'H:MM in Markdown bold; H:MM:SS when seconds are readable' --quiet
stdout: **11:59**
